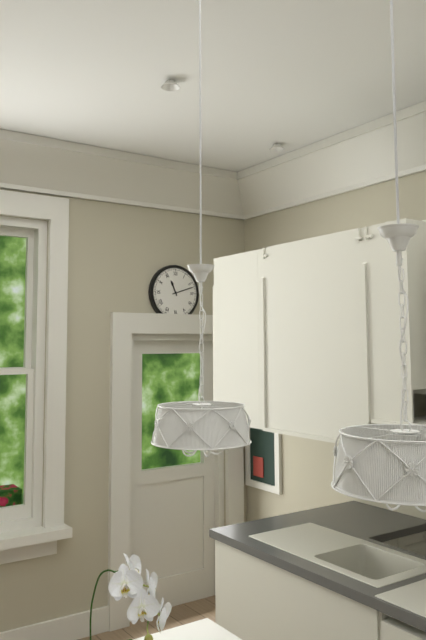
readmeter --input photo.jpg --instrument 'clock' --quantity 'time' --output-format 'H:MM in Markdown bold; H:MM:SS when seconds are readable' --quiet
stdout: **11:12**
